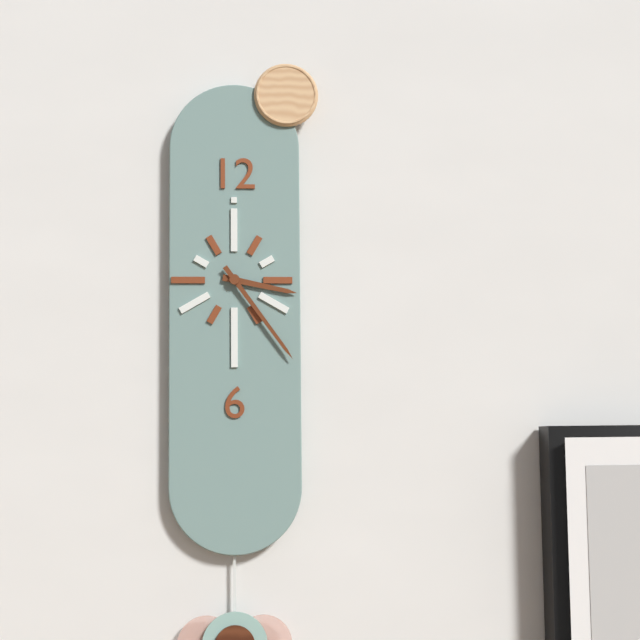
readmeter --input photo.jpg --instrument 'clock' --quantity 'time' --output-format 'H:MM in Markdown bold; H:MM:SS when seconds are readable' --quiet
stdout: **3:24**
